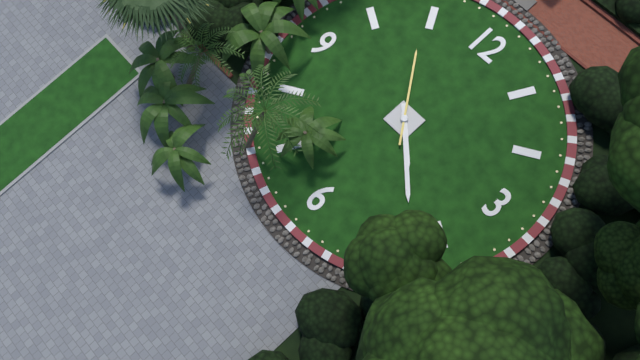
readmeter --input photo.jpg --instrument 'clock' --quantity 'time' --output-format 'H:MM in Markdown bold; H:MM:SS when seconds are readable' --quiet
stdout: **4:22:54**
